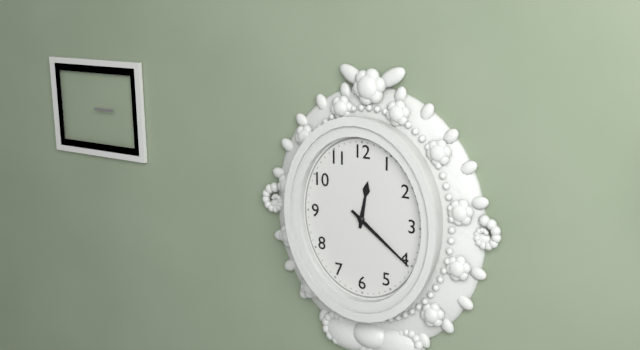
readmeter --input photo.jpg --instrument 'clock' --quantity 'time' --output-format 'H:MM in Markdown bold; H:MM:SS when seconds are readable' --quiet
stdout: **12:21**
